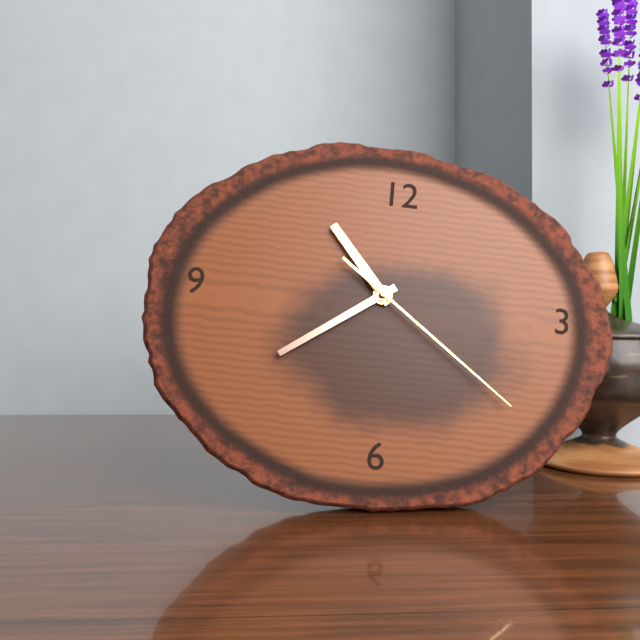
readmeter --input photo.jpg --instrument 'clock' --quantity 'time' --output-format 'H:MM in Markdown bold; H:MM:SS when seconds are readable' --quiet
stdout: **10:39:21**
